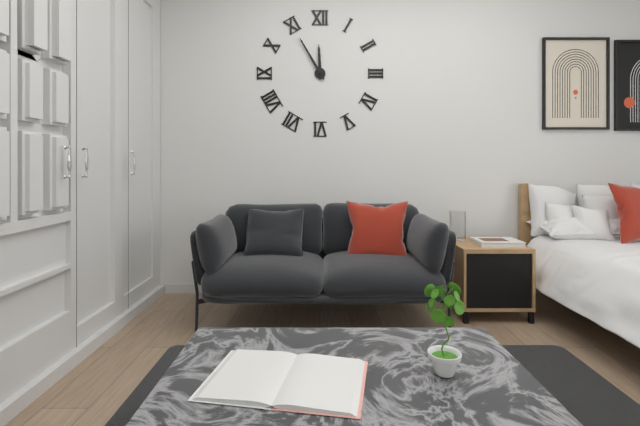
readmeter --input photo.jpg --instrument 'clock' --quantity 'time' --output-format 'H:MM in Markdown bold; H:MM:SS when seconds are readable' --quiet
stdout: **11:55**
